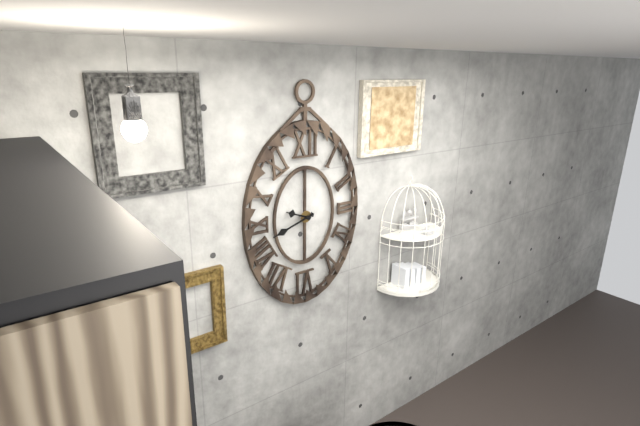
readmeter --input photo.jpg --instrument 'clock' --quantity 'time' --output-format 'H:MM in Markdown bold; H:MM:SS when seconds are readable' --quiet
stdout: **9:42**
